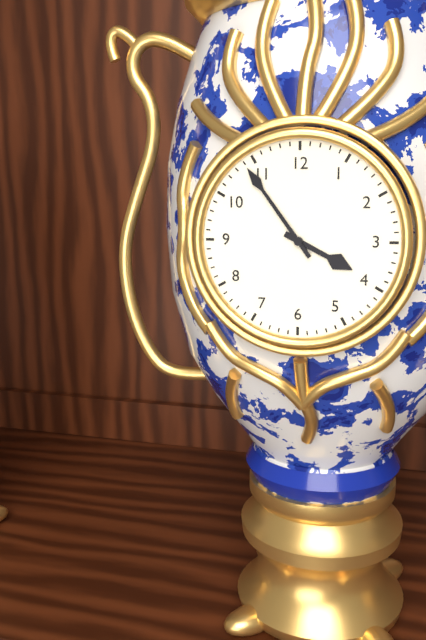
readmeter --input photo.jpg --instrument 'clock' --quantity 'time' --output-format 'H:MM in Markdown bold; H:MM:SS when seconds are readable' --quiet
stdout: **3:54**
